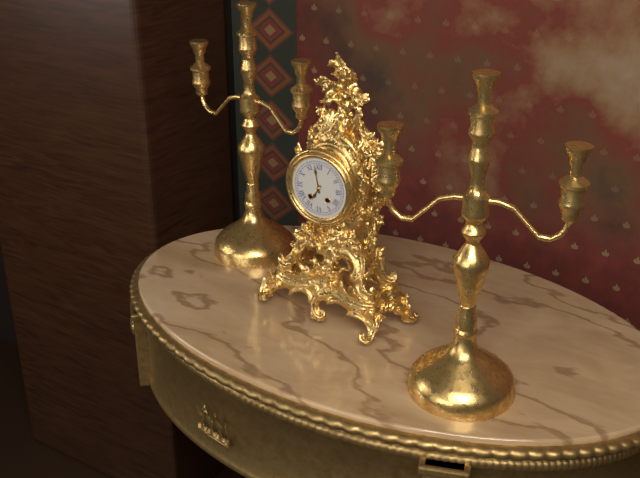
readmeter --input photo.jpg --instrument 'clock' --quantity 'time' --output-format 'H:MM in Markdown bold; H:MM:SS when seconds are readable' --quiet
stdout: **6:58**
